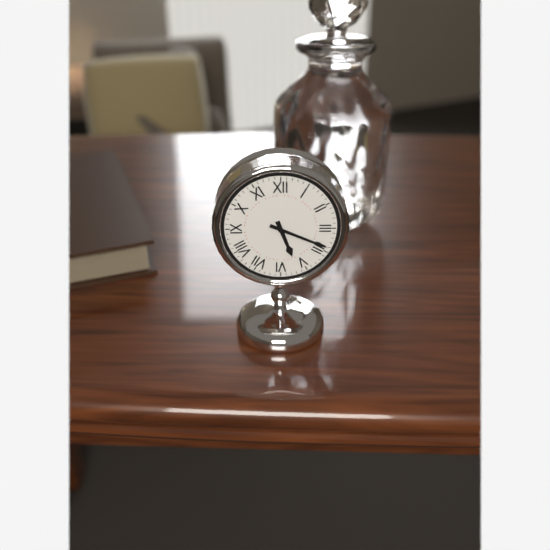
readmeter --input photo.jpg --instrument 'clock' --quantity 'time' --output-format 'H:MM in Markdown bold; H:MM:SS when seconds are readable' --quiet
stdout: **5:19**
